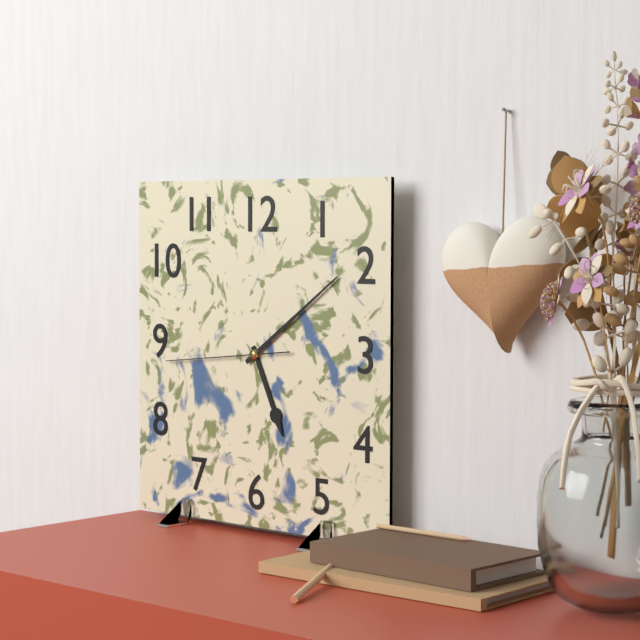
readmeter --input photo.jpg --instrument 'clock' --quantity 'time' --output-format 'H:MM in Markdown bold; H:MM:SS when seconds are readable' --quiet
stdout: **5:09:44**
